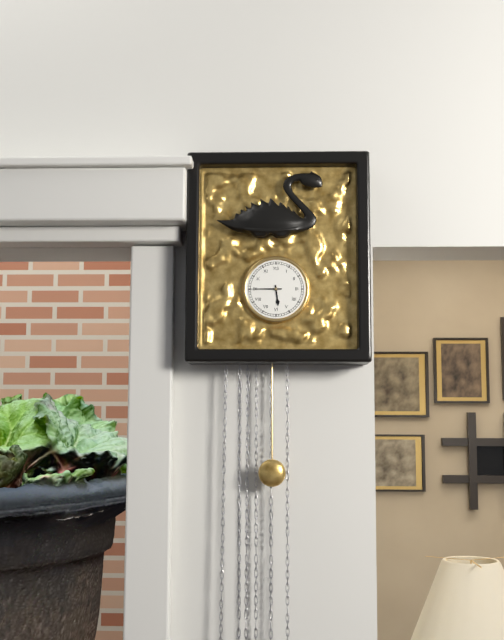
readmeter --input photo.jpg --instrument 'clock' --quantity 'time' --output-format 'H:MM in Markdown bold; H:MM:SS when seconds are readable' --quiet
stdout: **5:45**
